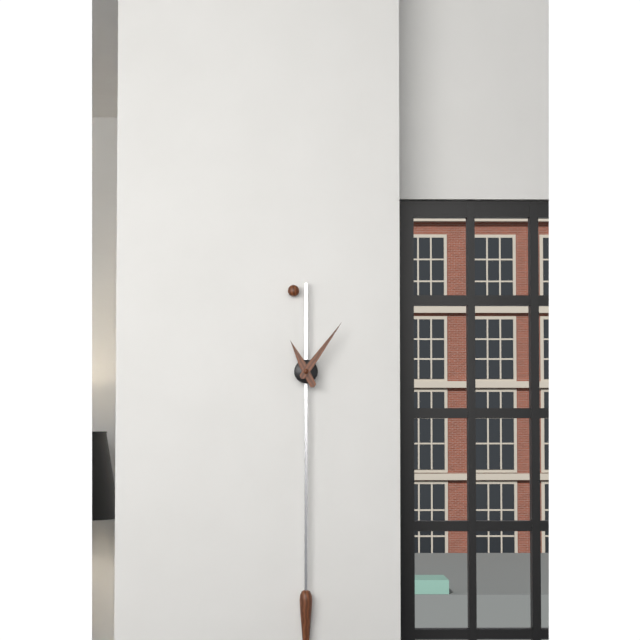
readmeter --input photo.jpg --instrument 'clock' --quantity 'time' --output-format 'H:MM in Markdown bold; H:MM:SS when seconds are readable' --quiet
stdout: **11:06**
